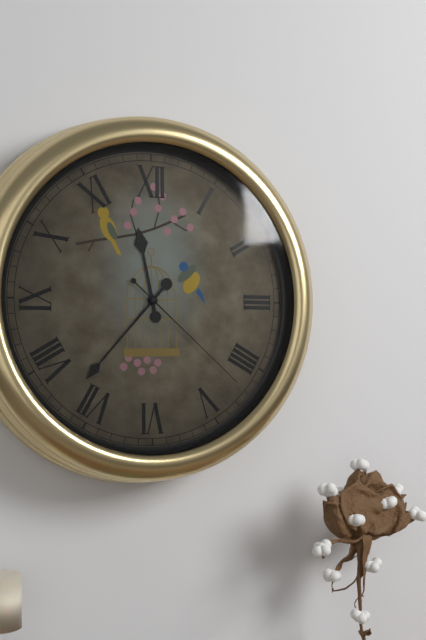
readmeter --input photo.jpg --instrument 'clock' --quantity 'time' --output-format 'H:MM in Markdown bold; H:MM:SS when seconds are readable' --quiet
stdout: **11:37:22**
